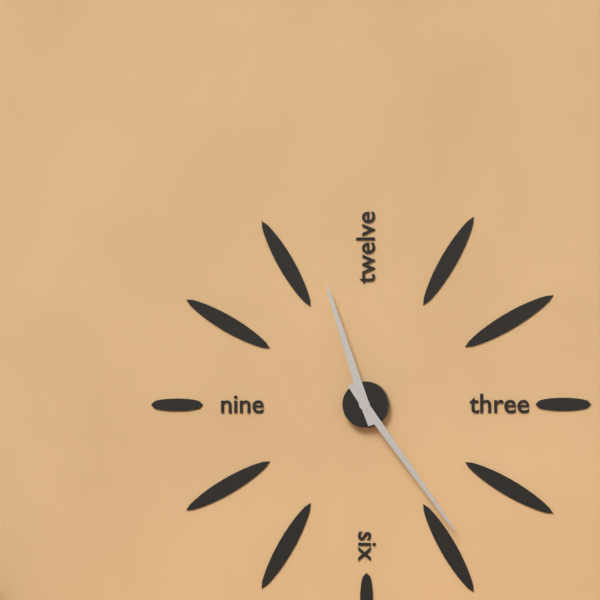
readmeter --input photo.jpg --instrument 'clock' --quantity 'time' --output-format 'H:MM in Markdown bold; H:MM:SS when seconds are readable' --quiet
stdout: **11:24**
